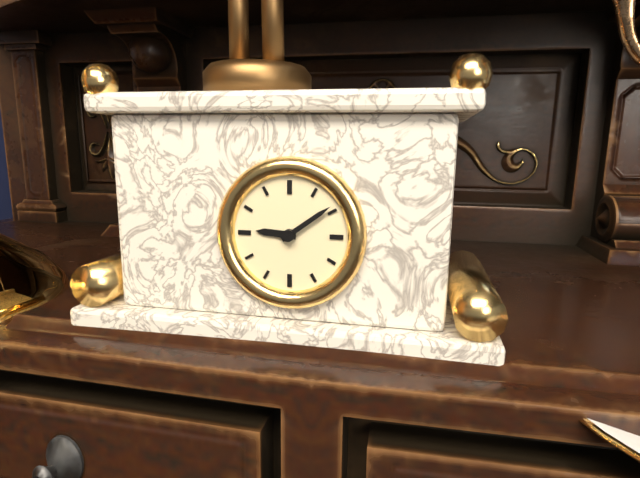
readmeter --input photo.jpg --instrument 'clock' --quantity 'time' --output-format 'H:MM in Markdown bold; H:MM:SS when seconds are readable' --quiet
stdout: **9:09**
